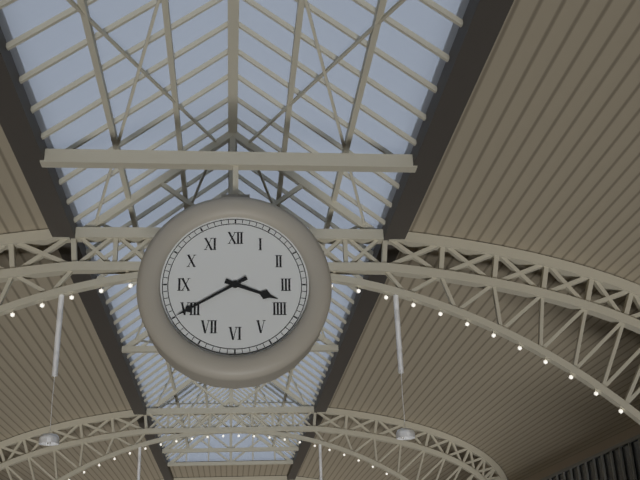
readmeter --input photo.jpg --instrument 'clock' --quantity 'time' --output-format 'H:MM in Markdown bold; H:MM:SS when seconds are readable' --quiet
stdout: **3:40**
